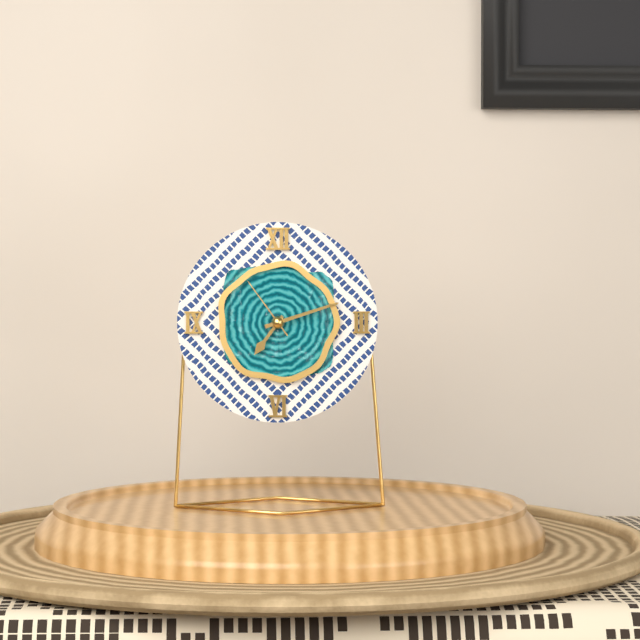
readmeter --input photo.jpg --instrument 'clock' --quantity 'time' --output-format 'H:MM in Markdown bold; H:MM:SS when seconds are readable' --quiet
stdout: **7:12:54**
